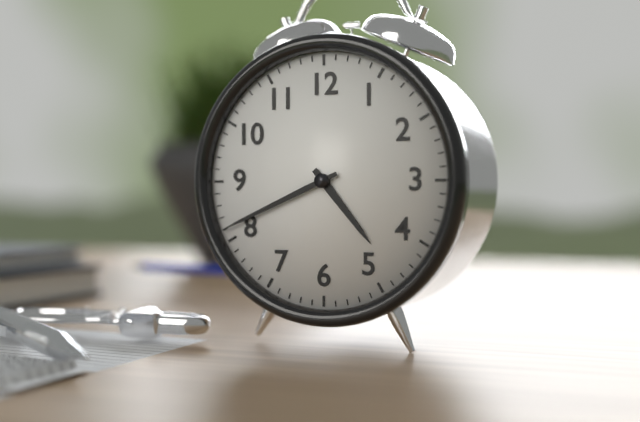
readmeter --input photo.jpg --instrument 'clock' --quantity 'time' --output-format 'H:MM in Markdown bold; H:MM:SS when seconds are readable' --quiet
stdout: **4:41**
